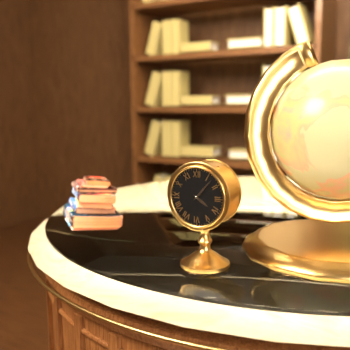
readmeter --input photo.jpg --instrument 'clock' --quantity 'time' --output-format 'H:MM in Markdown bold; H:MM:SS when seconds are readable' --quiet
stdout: **4:07**
